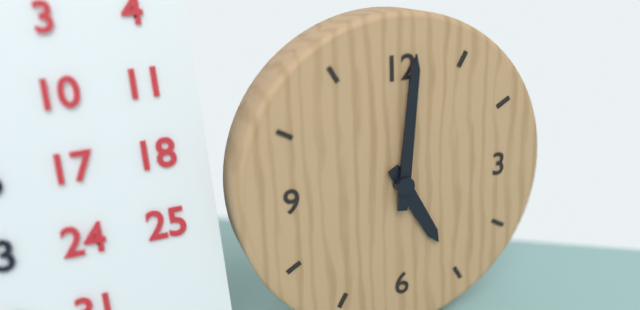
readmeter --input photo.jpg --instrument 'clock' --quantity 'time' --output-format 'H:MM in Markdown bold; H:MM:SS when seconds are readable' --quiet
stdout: **5:01**
